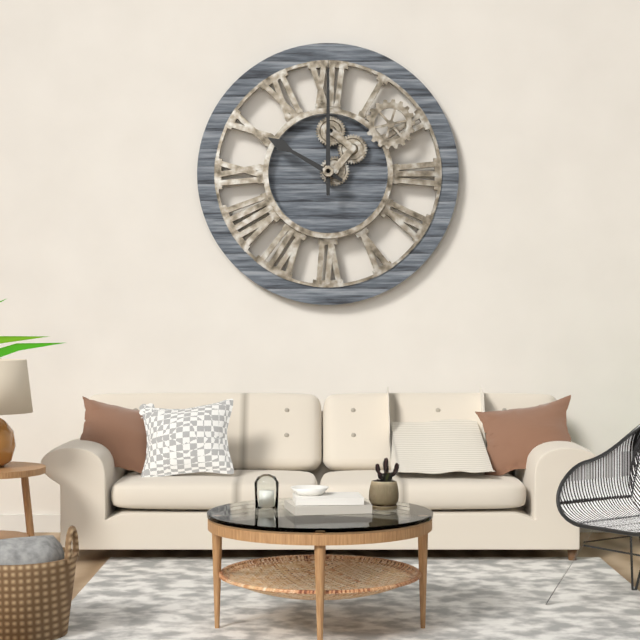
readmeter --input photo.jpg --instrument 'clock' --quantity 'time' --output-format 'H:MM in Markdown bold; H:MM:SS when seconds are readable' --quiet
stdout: **10:00**
